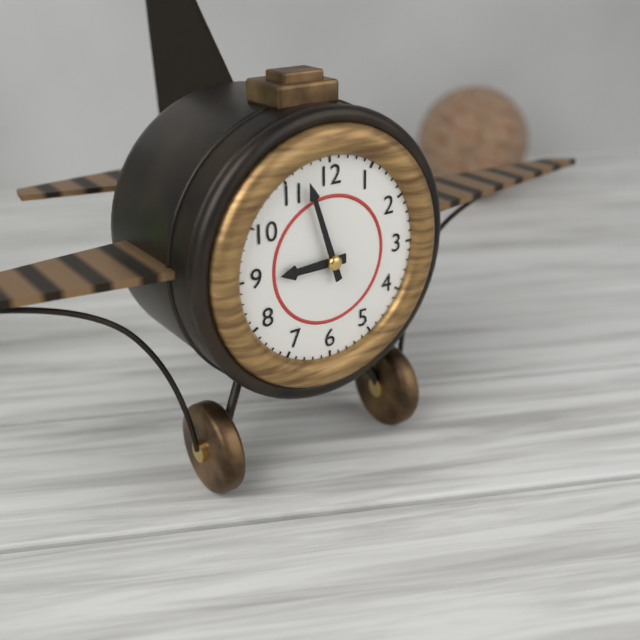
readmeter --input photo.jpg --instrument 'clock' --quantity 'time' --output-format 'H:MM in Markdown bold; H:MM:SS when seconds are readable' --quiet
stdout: **8:57**
